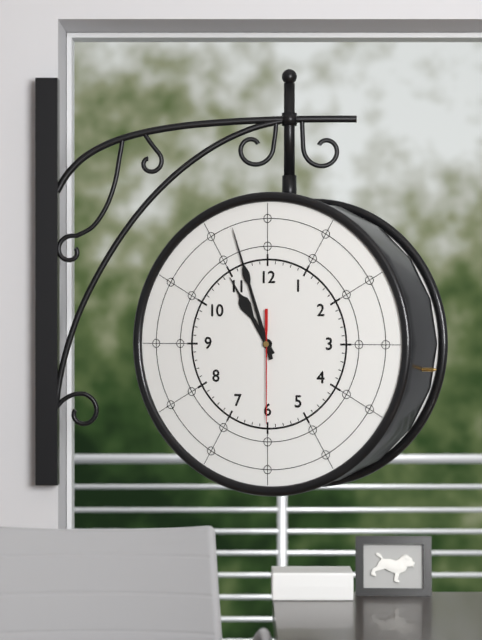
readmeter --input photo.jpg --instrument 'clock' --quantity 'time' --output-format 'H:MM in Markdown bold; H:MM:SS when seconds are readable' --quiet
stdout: **10:57:30**
